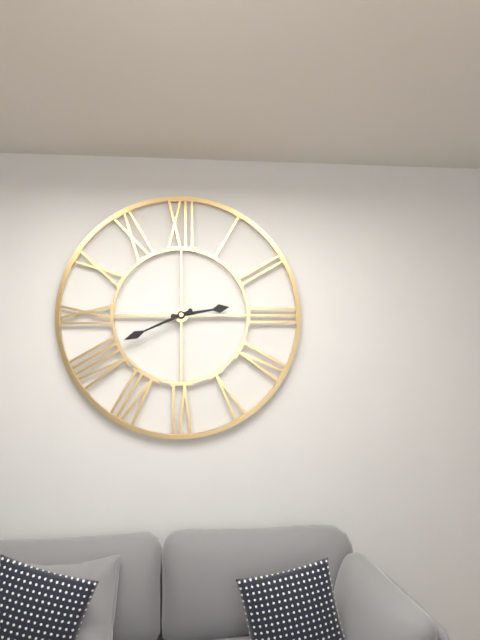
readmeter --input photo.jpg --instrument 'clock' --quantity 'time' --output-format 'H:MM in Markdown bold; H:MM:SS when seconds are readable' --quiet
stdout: **2:41**
